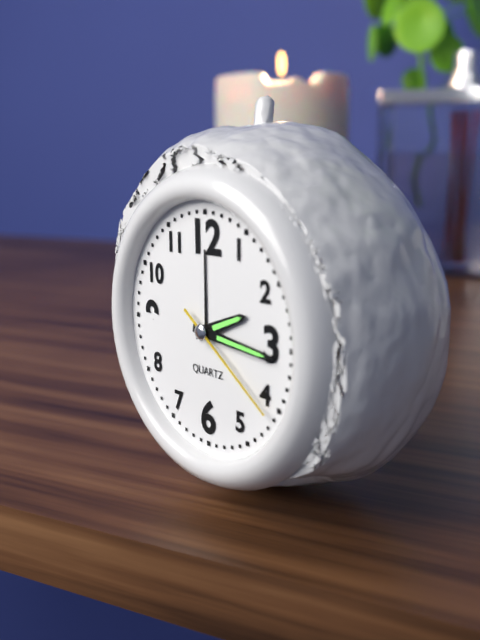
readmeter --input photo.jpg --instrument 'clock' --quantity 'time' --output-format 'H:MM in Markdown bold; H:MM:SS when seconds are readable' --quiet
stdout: **2:16:21**
